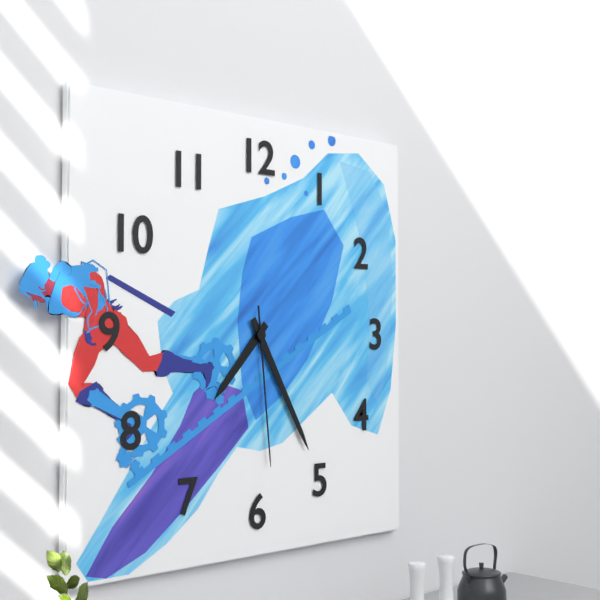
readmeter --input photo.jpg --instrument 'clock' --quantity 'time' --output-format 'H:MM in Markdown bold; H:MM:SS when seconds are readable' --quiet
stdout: **7:25:29**
